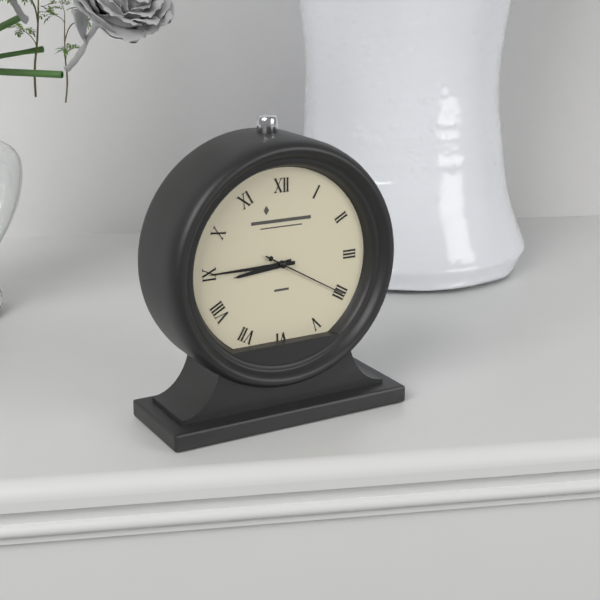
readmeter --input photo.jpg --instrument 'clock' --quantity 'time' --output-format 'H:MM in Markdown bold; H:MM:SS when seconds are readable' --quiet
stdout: **8:45:20**
